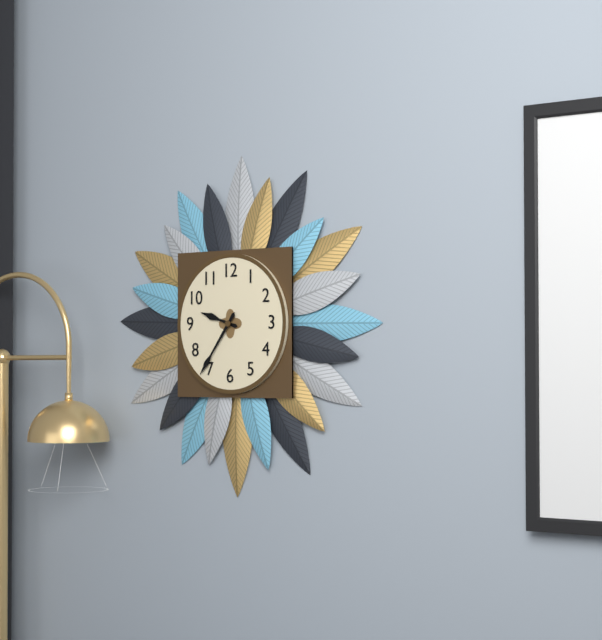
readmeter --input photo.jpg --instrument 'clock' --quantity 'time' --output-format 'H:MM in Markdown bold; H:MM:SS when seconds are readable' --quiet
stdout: **9:36**
